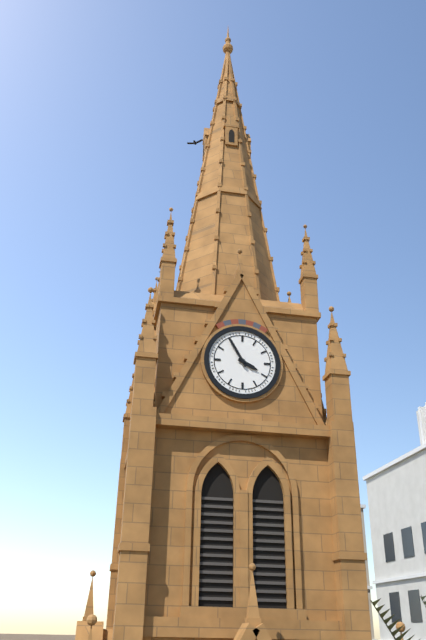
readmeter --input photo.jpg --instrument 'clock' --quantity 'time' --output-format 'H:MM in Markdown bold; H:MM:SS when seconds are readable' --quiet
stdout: **3:55**
